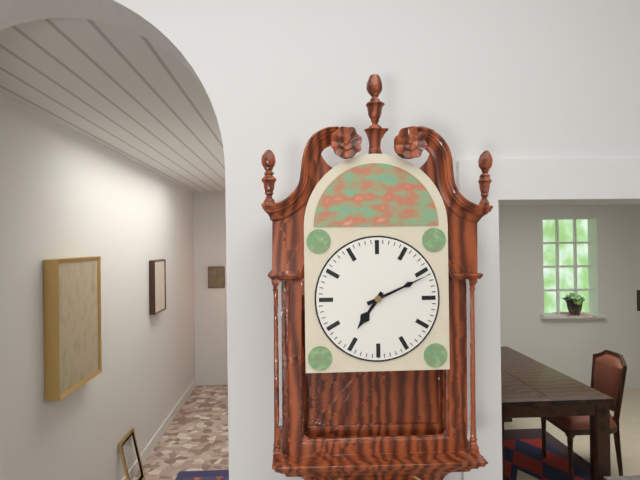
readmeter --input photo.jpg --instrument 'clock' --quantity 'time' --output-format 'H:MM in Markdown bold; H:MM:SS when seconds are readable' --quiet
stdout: **7:11**
